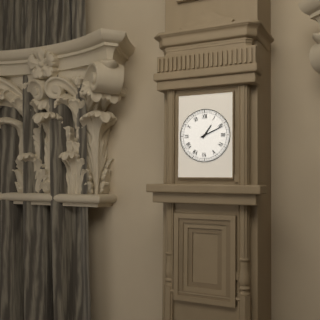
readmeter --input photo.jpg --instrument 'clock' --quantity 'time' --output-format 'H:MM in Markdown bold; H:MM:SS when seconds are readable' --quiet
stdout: **1:11**
